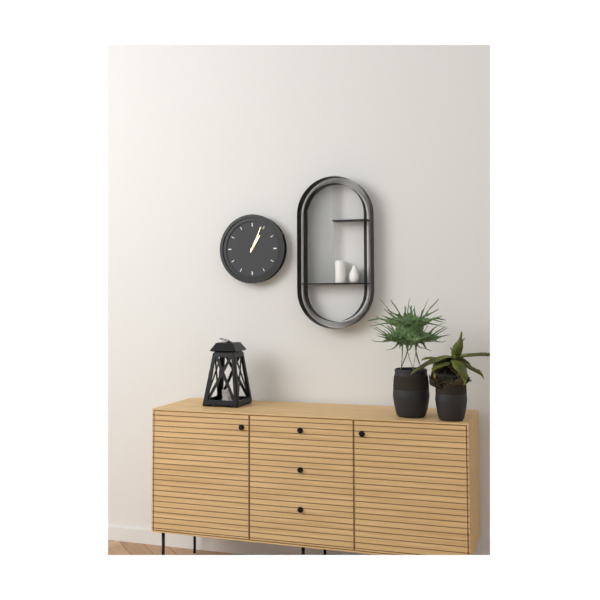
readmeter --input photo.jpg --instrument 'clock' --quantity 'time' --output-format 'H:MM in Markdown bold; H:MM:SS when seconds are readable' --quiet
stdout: **1:04**
